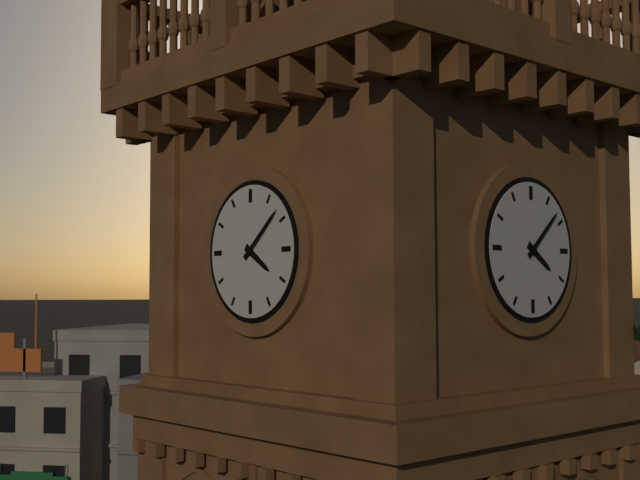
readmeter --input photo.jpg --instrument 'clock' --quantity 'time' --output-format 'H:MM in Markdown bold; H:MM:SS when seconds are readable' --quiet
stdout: **4:08**
